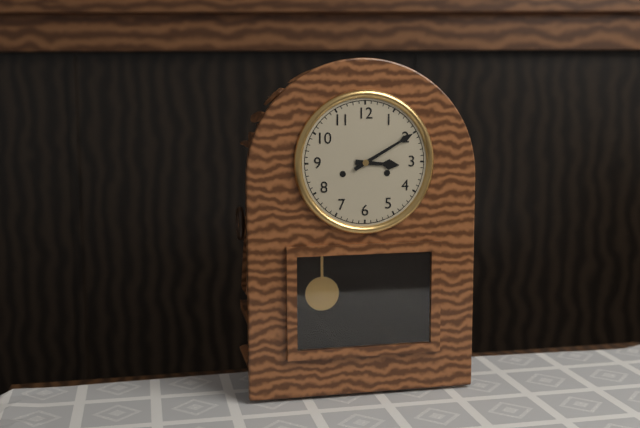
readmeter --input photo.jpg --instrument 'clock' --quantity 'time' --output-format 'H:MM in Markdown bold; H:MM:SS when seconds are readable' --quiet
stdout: **3:10**
